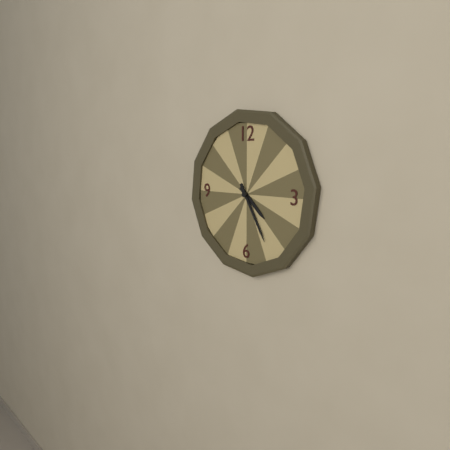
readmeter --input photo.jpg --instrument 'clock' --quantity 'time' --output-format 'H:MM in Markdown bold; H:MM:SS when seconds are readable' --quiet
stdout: **4:25**
